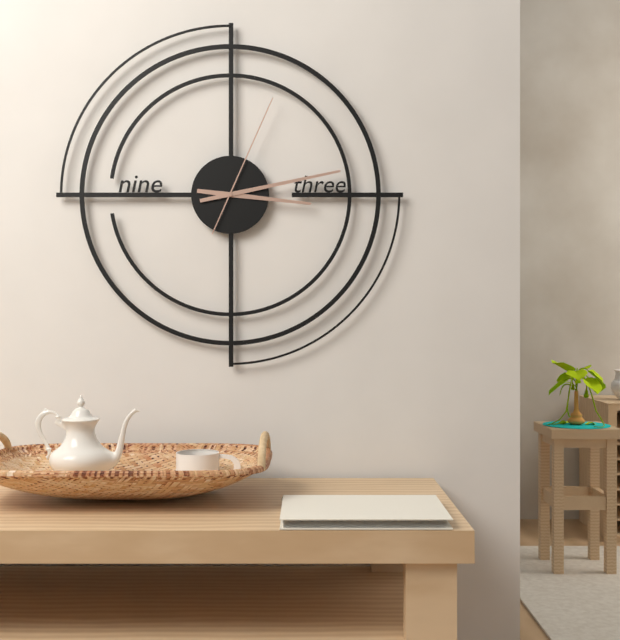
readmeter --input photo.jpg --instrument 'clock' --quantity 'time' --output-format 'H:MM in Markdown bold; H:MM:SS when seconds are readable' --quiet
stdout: **3:13:04**
